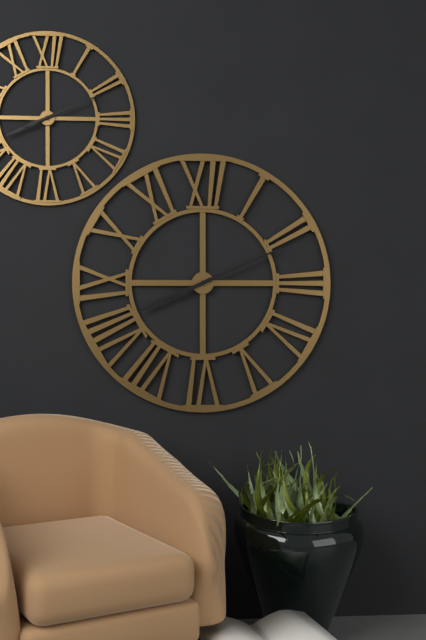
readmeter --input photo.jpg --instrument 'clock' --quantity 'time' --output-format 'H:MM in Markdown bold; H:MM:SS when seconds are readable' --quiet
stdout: **8:11**
